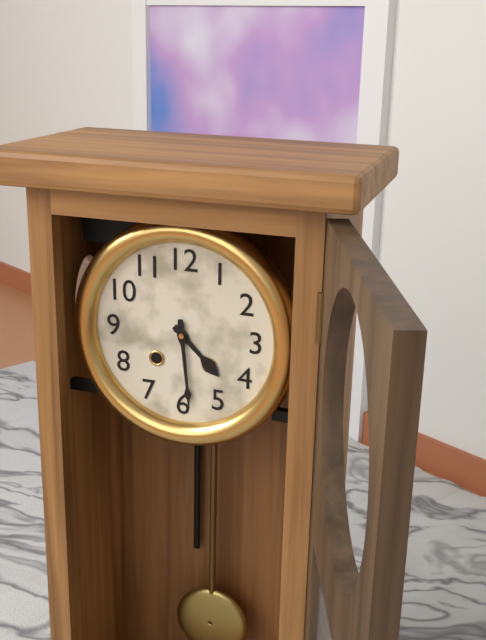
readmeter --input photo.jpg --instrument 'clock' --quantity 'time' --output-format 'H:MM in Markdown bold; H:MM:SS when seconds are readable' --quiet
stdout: **4:29**
